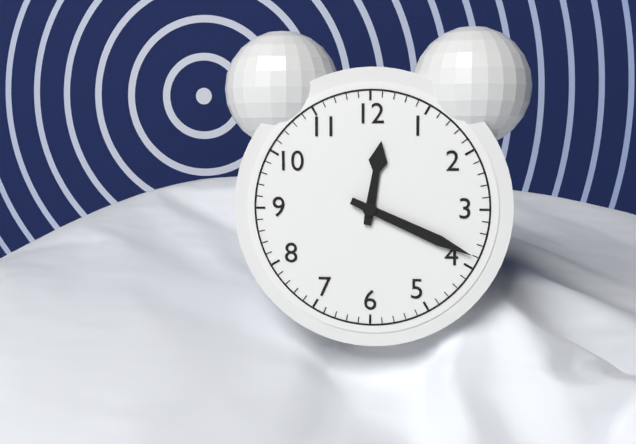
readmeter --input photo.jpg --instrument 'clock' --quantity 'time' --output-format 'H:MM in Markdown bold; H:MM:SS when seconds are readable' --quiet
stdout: **12:19**
